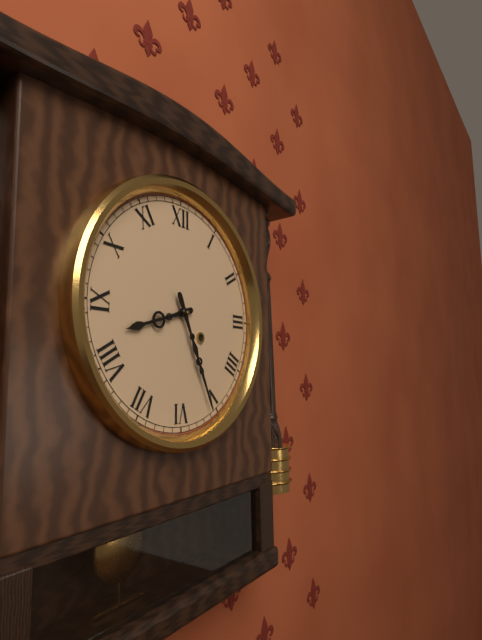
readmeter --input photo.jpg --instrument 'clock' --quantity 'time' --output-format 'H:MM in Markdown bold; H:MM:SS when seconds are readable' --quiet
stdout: **8:26**
